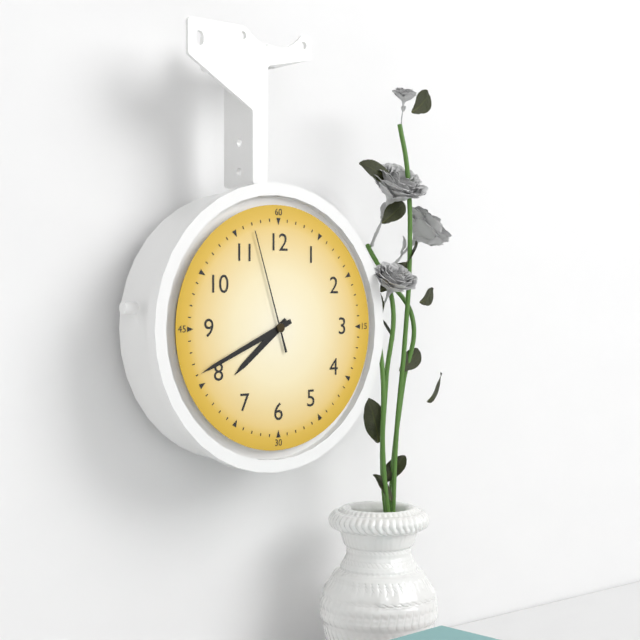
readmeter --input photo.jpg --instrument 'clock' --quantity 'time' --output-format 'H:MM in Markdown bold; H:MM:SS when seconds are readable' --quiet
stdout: **7:41:57**
